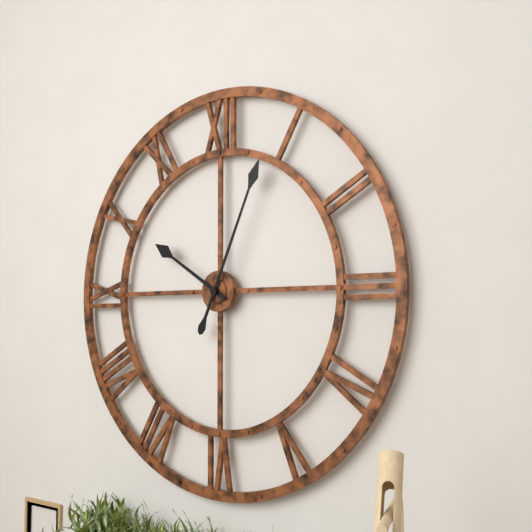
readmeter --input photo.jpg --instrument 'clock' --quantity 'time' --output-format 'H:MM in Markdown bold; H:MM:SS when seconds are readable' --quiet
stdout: **10:04**
